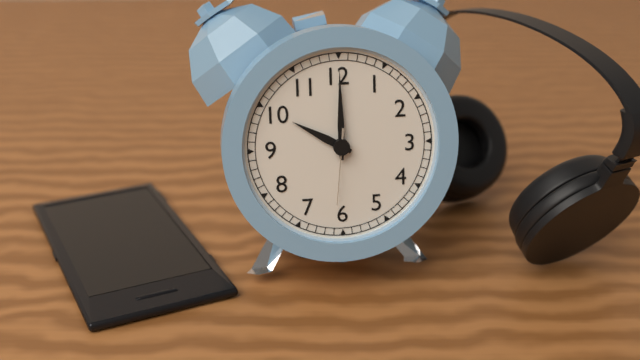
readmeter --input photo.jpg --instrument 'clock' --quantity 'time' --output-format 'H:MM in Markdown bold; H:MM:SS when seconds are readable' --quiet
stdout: **10:00:31**
